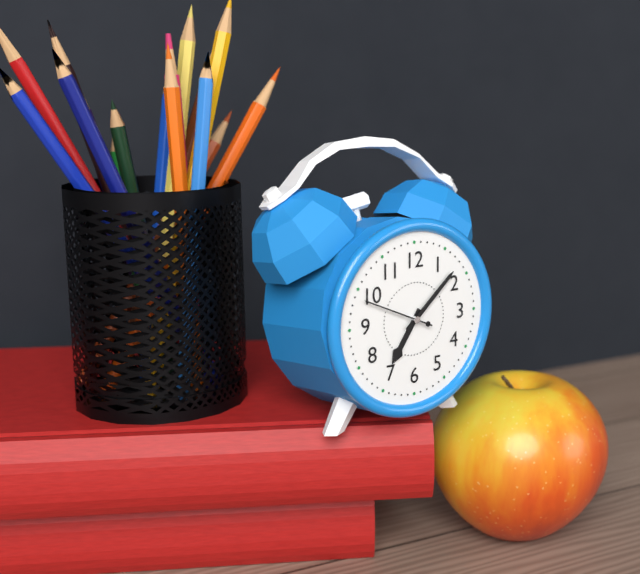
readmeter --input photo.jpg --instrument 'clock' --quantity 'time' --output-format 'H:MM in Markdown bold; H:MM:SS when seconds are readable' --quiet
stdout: **7:08:49**
